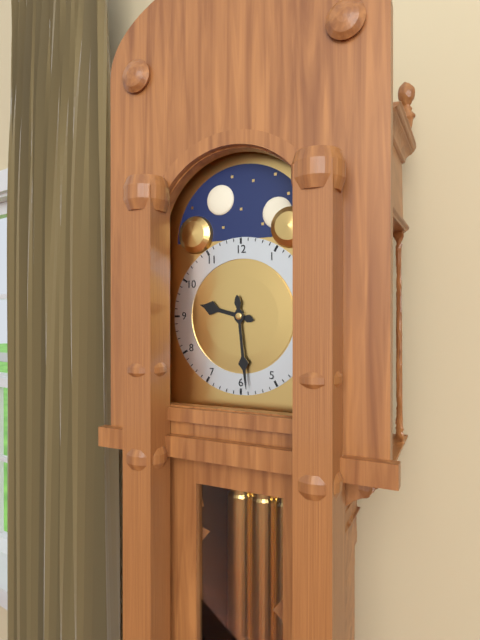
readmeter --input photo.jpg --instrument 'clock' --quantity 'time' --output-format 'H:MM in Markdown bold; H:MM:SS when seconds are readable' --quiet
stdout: **9:29**
